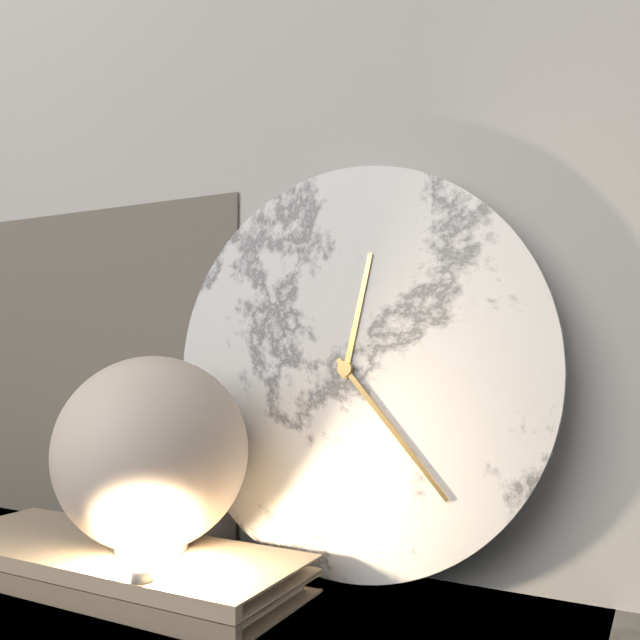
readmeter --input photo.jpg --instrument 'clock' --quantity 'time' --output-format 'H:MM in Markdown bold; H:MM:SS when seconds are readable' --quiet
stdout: **12:23**
